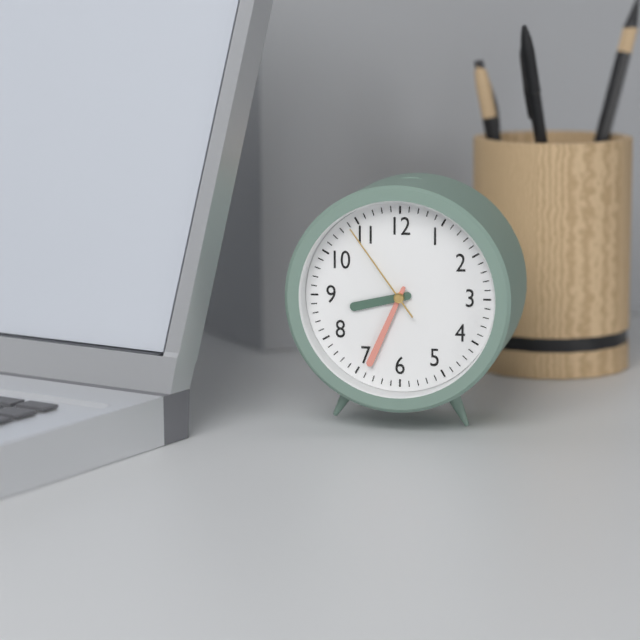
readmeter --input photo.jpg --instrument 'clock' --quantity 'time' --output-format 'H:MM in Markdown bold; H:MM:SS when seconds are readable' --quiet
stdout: **8:34:54**
